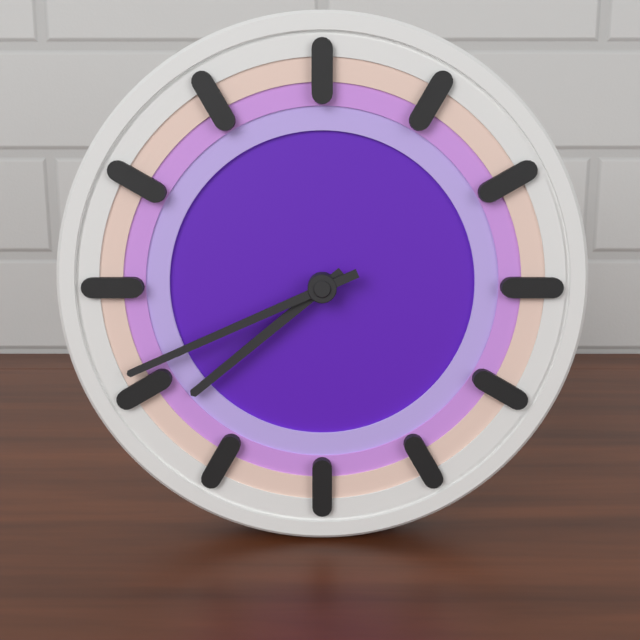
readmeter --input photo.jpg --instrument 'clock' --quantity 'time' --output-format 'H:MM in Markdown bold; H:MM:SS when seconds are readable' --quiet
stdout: **7:41**
